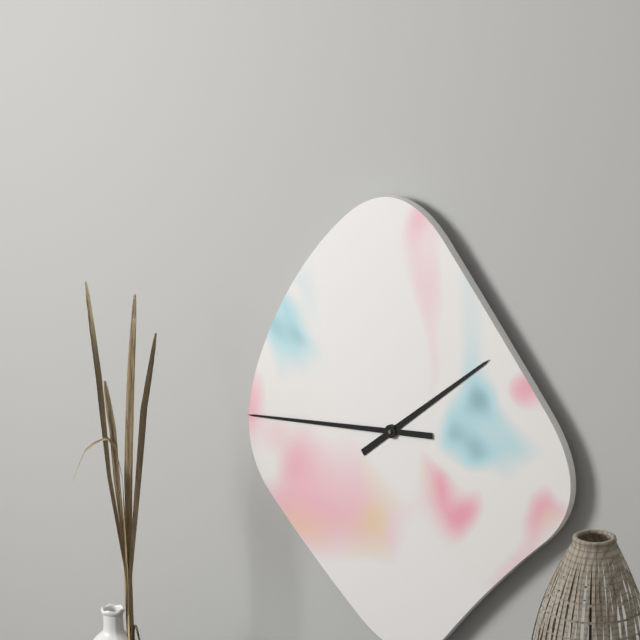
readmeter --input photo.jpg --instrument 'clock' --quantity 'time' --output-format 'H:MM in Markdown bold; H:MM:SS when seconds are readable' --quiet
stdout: **1:44**
